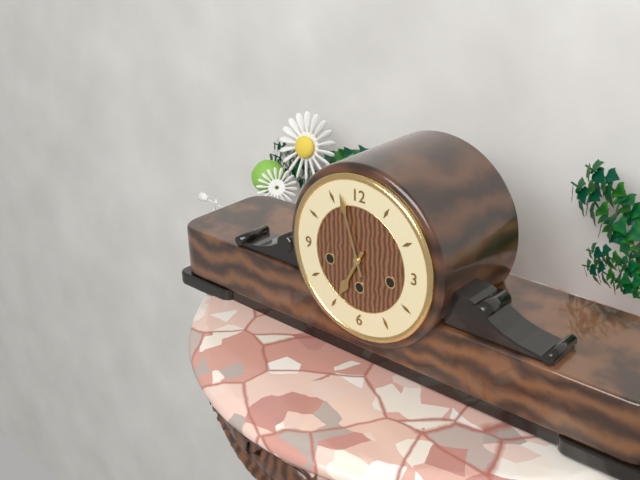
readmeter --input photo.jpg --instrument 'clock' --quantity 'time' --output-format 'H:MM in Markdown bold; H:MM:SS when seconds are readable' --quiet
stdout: **6:57**
